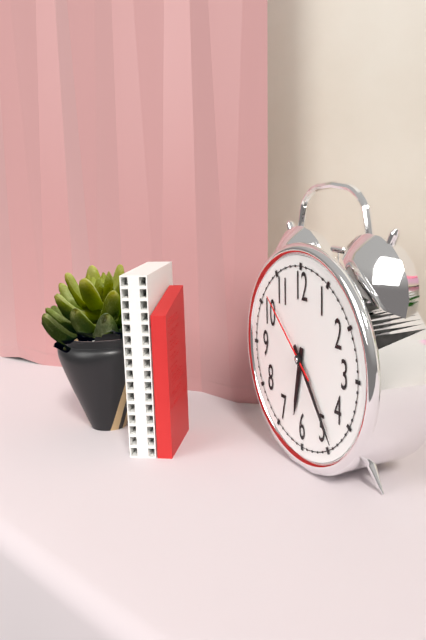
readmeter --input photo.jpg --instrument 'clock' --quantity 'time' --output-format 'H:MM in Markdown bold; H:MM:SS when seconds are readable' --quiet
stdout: **6:24:52**
